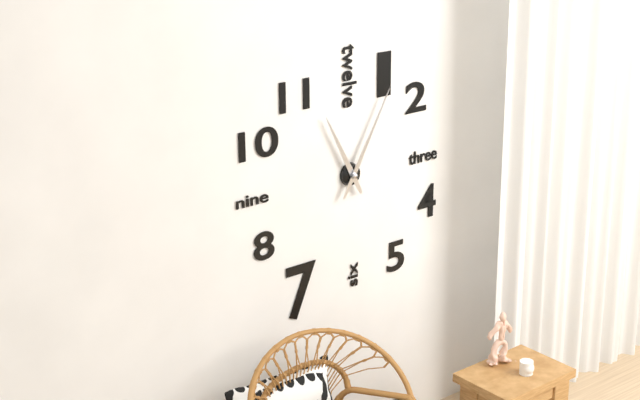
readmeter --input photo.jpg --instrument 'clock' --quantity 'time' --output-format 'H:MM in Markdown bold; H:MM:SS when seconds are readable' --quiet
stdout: **11:05**
